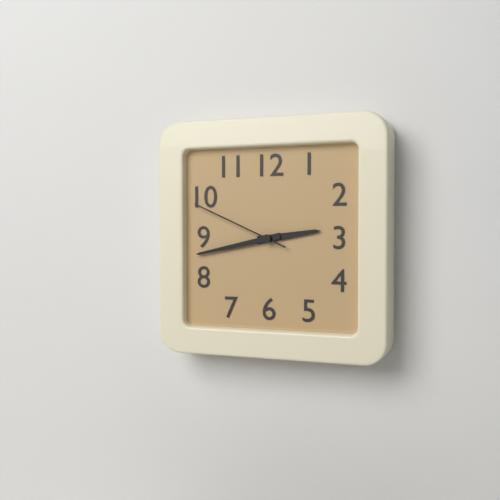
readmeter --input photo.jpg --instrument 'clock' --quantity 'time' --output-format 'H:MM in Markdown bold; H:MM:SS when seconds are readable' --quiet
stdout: **2:43:49**
